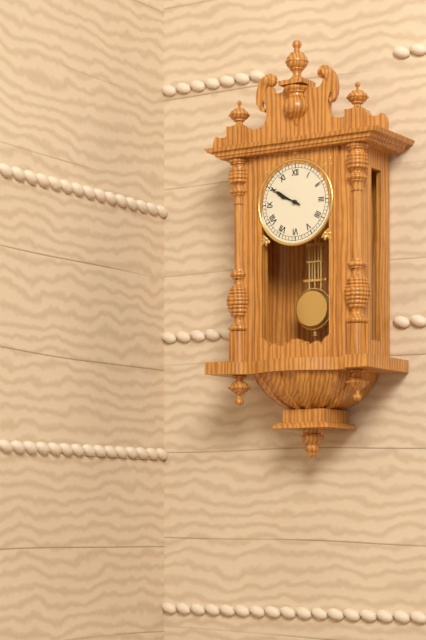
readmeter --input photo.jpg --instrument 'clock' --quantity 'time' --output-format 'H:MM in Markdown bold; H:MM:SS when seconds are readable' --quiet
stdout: **9:50**
